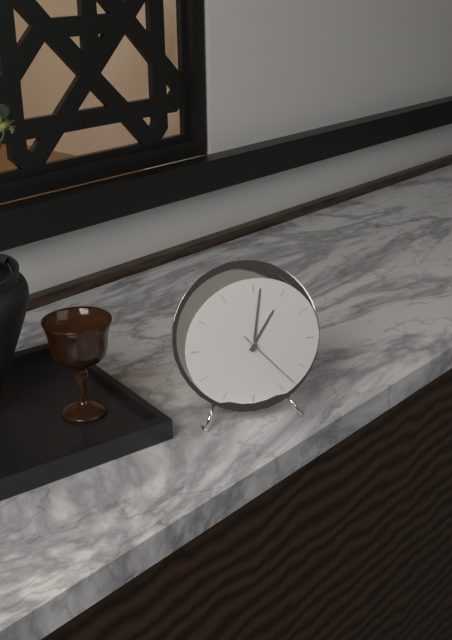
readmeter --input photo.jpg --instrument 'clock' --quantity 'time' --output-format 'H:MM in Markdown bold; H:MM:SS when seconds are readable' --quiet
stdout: **1:01:23**
